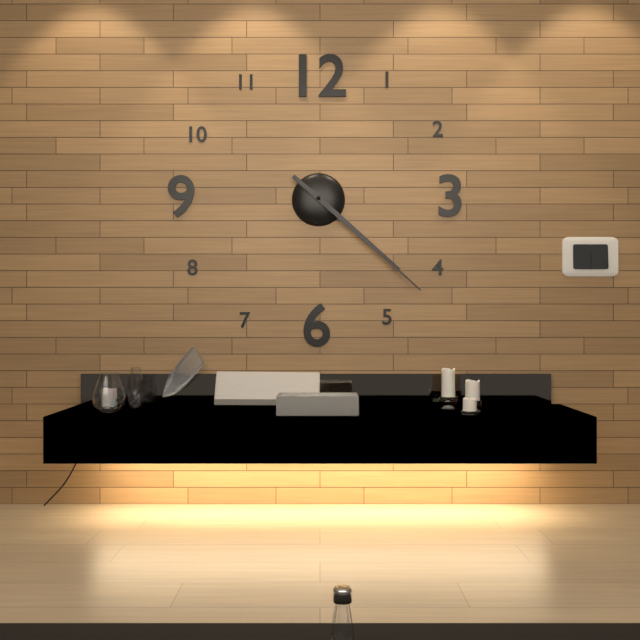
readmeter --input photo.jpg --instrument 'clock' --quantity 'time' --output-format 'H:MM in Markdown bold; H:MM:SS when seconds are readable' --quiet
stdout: **4:22**
